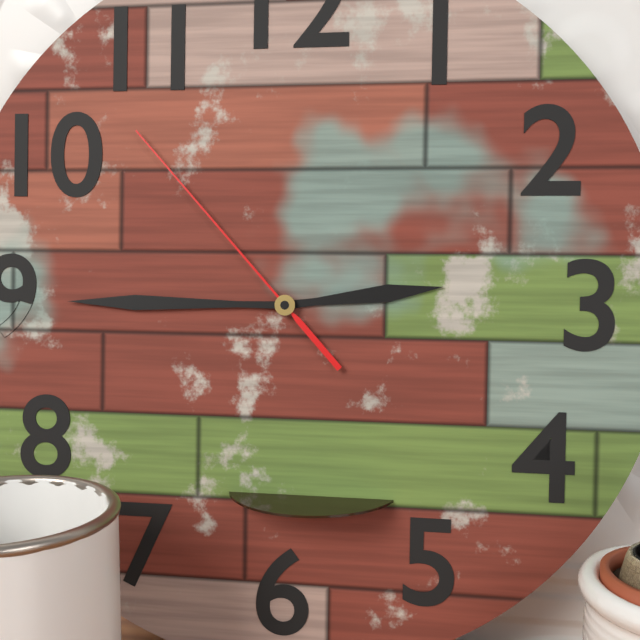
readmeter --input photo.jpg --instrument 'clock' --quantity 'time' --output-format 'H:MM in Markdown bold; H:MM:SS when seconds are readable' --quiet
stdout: **2:45:53**
